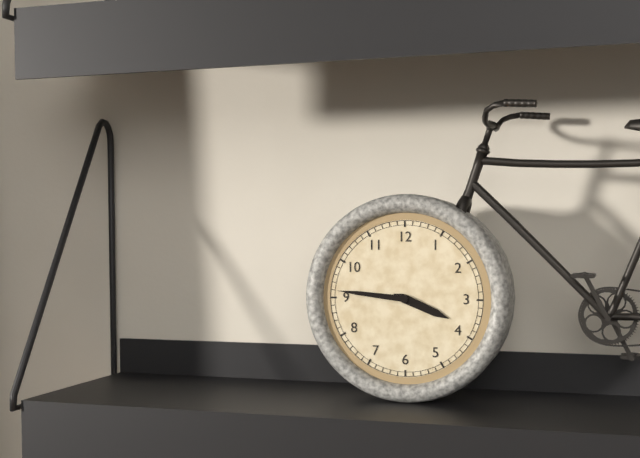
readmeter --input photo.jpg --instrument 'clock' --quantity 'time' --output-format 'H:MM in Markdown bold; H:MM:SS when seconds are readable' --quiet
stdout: **3:46**
